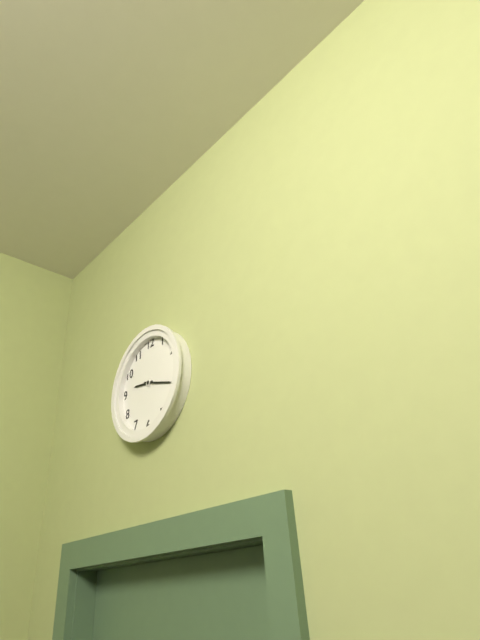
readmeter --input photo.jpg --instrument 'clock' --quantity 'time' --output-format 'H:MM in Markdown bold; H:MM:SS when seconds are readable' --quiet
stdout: **9:18**
